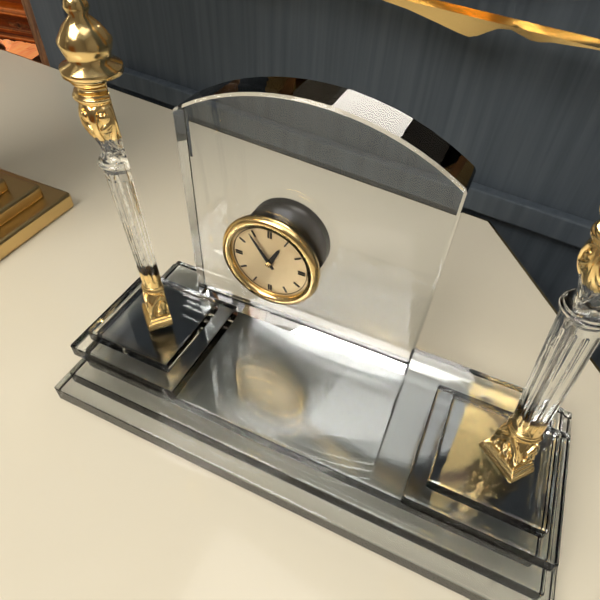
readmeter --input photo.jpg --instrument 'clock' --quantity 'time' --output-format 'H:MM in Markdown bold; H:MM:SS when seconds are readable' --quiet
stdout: **12:54**
